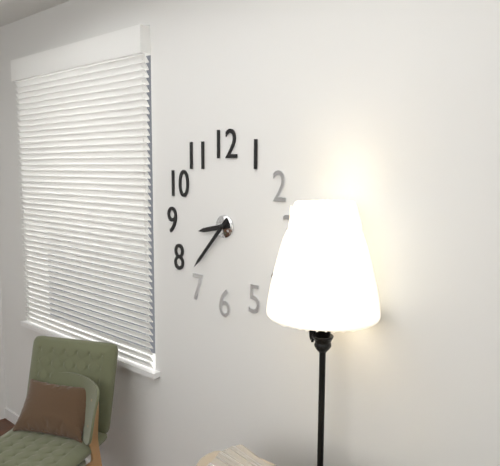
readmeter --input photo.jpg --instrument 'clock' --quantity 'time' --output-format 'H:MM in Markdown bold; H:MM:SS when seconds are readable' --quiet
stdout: **8:37**
